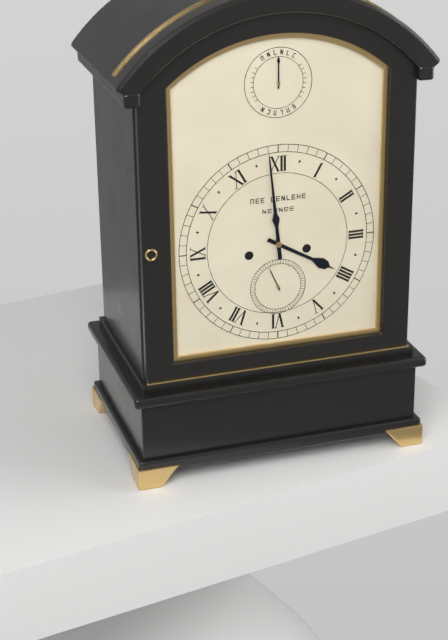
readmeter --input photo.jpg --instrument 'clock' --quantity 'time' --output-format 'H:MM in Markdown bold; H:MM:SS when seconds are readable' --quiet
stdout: **3:59**
